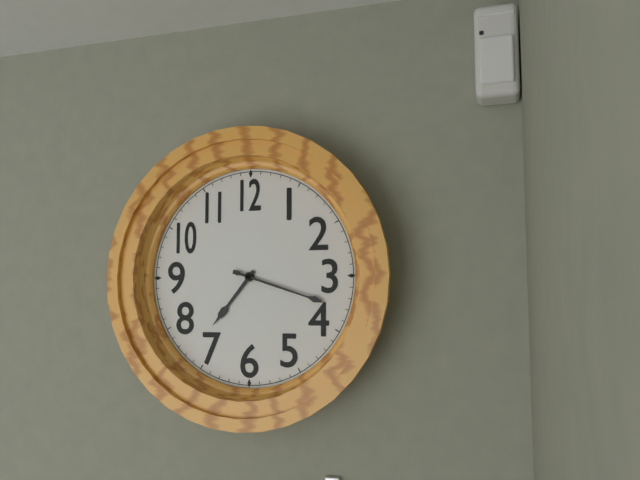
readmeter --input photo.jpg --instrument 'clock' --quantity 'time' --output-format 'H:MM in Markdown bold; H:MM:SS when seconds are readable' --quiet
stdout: **7:18**
